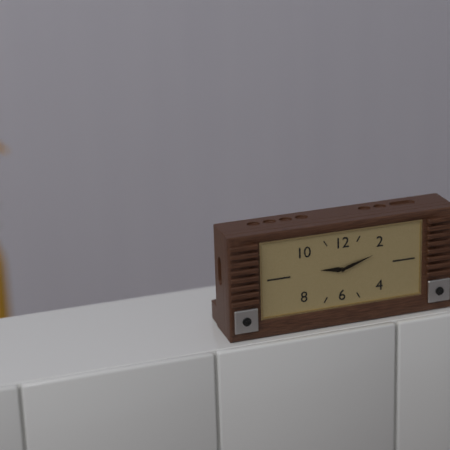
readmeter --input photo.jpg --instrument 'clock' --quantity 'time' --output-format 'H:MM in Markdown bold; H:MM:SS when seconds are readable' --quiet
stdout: **9:12**
